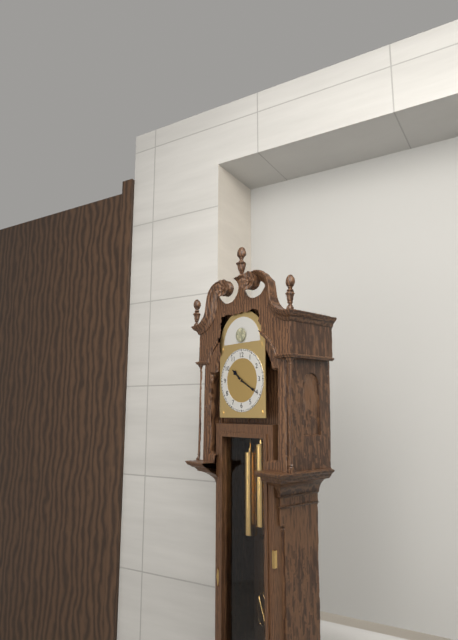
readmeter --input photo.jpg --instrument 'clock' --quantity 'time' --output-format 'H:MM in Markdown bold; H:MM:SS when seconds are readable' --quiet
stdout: **10:20**
